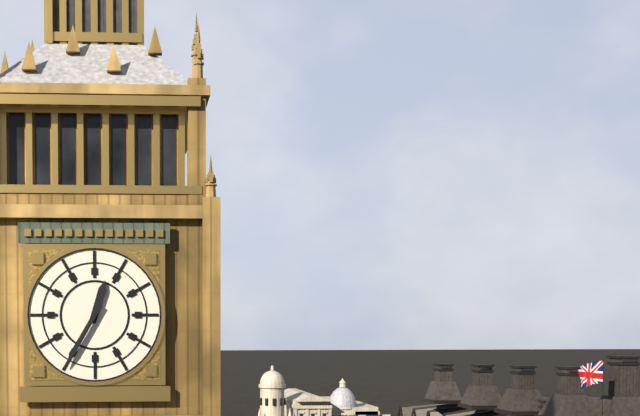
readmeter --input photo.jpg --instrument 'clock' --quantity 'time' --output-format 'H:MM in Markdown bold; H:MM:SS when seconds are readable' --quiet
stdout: **12:35**
